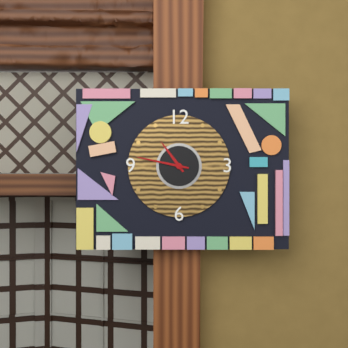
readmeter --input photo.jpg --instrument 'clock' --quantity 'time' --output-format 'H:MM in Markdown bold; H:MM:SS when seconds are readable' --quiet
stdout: **10:47**
